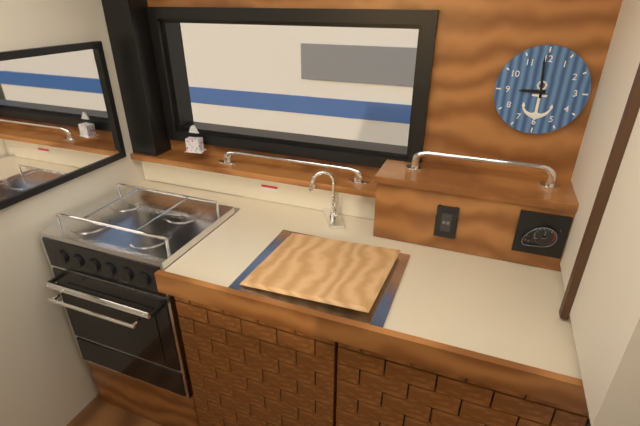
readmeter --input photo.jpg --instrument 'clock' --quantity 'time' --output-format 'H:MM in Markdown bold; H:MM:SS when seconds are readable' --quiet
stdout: **8:59**
